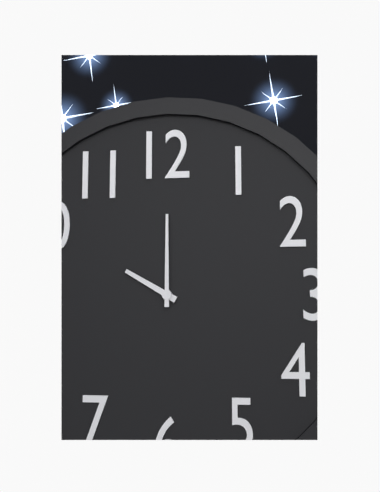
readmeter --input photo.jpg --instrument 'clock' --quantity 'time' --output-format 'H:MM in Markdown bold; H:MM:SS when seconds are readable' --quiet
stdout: **10:00**
